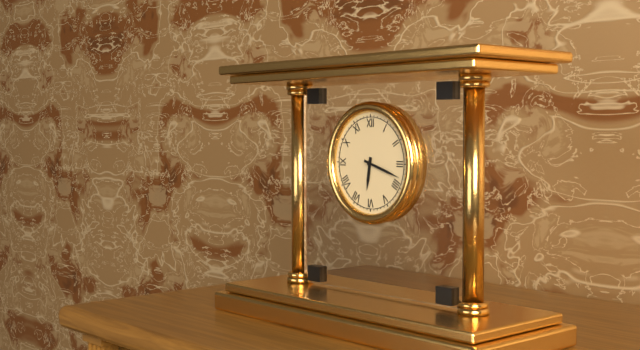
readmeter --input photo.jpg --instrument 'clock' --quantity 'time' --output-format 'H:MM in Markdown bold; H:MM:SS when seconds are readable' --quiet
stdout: **6:18**
